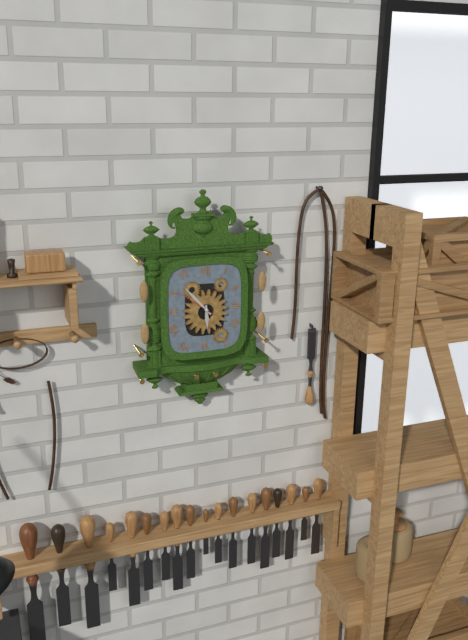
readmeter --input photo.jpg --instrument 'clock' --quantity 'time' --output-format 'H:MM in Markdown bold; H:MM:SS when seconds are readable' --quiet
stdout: **5:53**
